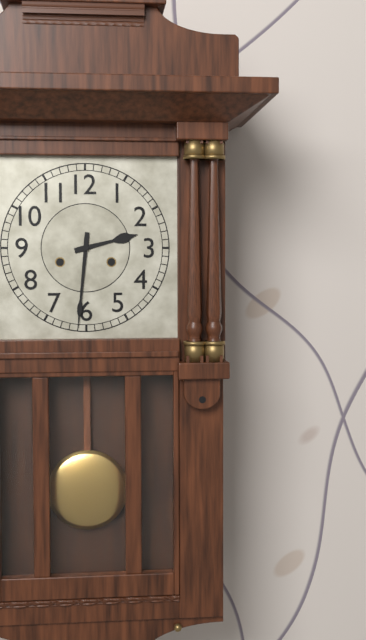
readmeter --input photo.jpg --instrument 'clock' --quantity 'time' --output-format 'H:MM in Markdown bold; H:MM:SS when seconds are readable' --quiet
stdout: **2:31**
